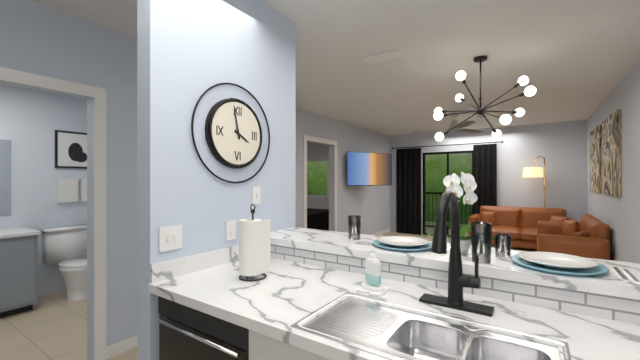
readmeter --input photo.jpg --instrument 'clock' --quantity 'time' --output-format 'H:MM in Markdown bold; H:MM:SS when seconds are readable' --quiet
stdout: **3:58**
